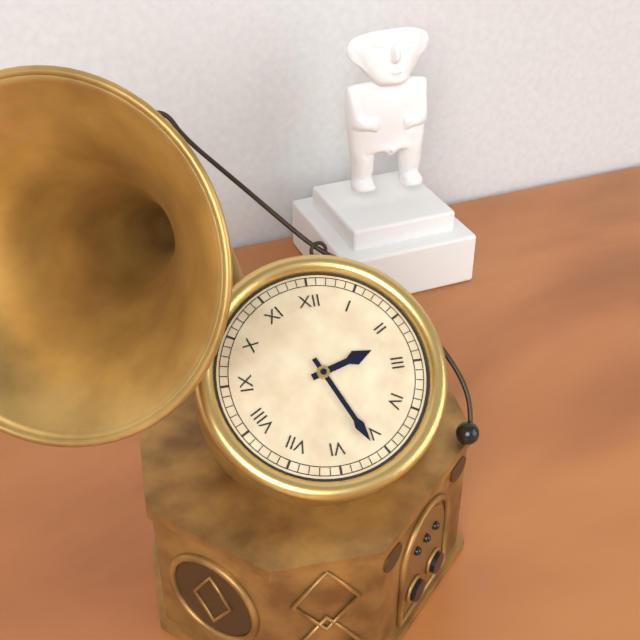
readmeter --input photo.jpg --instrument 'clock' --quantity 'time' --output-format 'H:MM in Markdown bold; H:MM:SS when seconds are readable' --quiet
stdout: **2:26**
